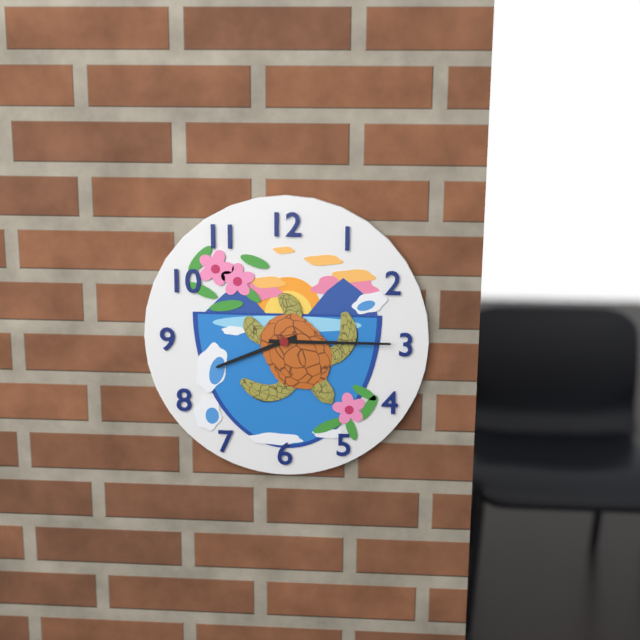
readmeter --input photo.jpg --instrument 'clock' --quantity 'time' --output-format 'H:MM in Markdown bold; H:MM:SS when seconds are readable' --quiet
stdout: **8:15**
